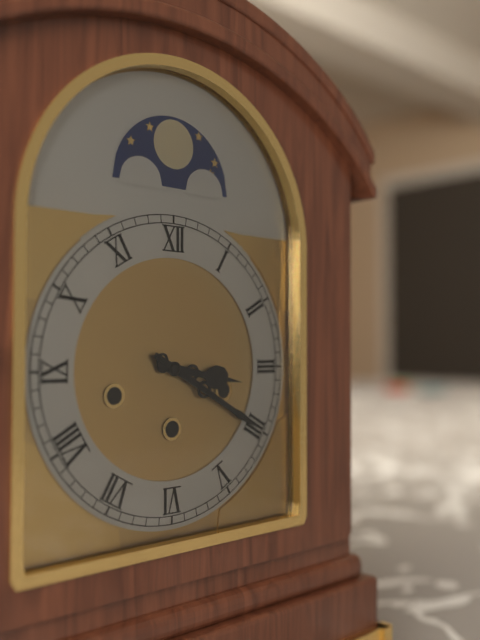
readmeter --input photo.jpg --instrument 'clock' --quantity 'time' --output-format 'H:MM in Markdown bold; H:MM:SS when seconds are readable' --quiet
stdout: **3:20**
